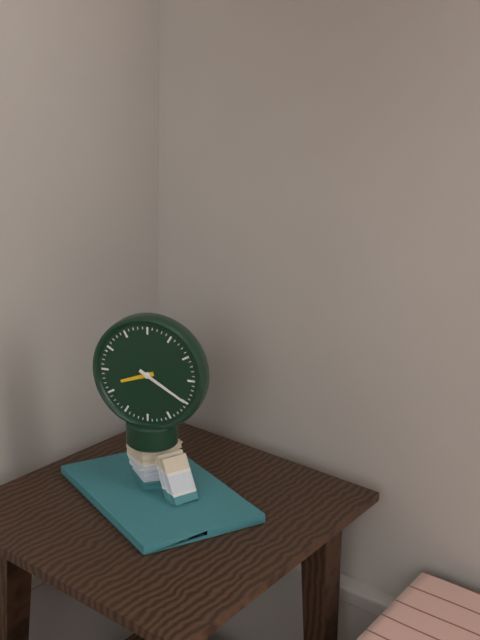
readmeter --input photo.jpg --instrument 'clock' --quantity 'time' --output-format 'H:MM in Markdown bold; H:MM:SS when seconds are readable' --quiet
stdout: **8:20**
